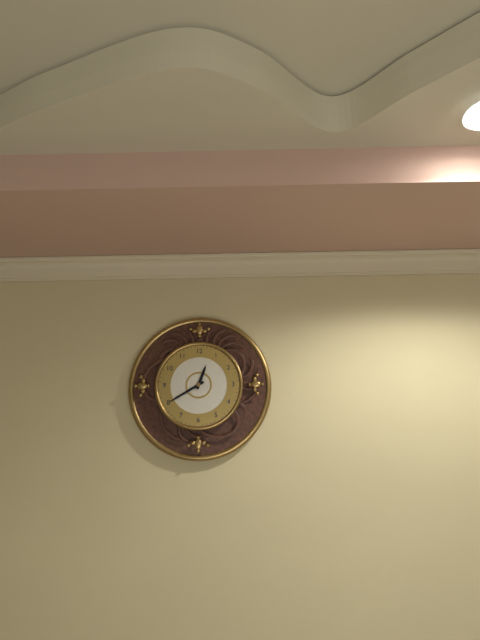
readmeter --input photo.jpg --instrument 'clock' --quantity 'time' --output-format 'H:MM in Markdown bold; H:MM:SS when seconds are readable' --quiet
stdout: **12:40**
